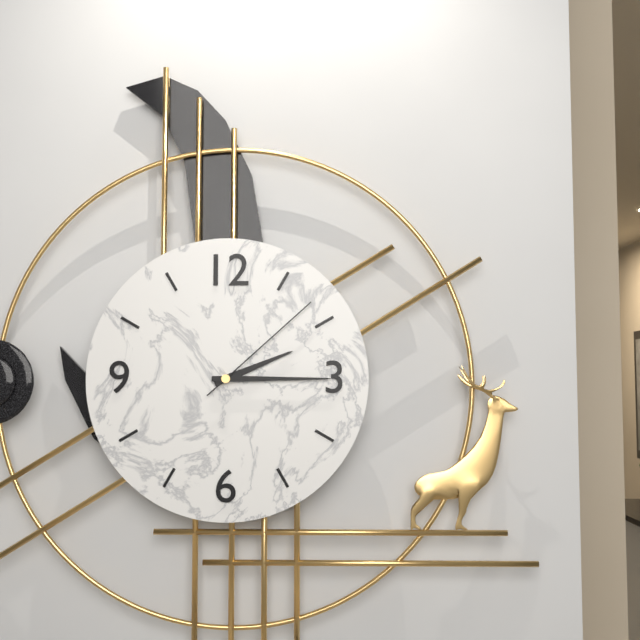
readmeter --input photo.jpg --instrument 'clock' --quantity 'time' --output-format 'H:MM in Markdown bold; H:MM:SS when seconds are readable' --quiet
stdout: **2:15:08**
